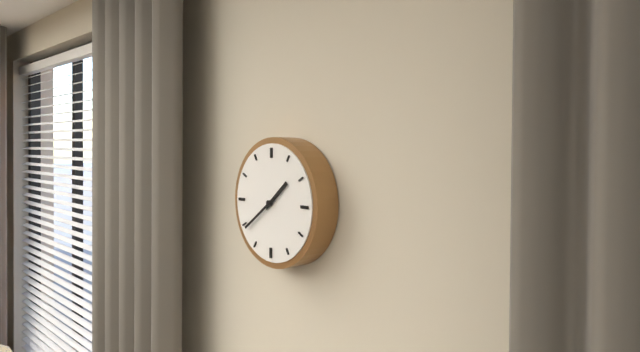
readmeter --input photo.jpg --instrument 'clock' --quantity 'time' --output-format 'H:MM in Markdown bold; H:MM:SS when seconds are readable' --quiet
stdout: **1:39**
